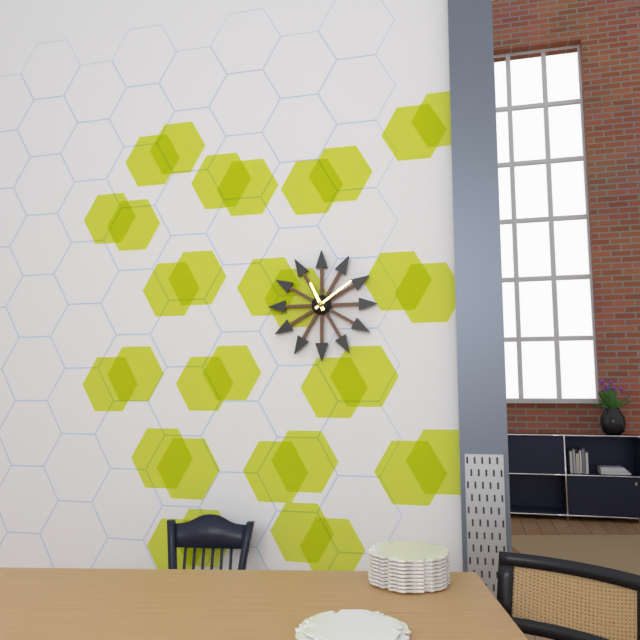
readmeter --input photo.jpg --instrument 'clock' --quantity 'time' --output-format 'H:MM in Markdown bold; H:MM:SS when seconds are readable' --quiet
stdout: **11:09**
